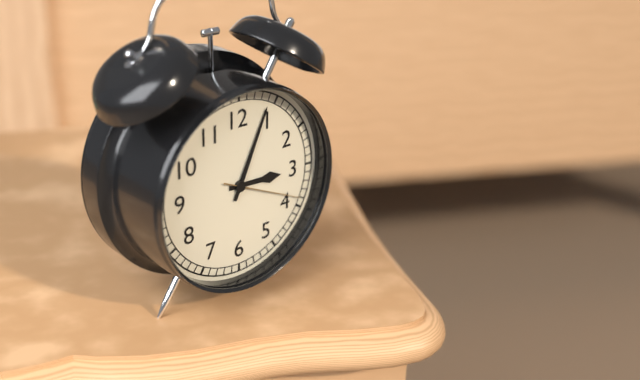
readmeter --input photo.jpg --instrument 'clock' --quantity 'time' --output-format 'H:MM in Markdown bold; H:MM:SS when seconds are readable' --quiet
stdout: **3:04:19**
